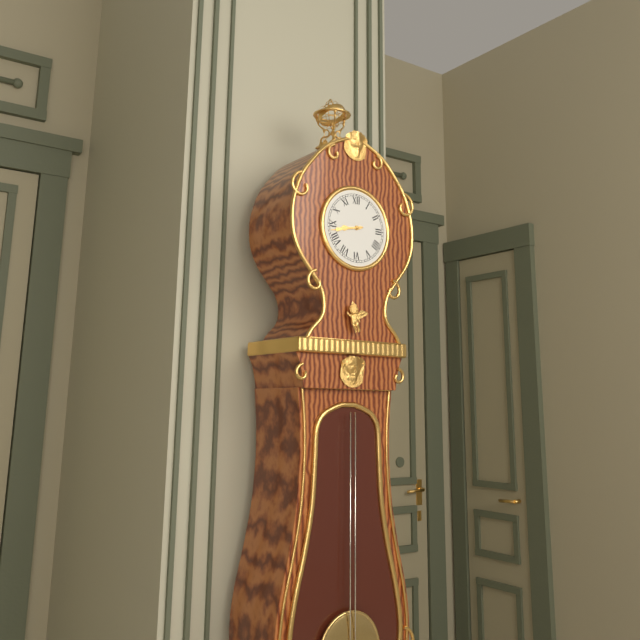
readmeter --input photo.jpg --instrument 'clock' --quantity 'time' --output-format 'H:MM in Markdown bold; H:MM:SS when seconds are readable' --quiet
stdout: **8:43**
